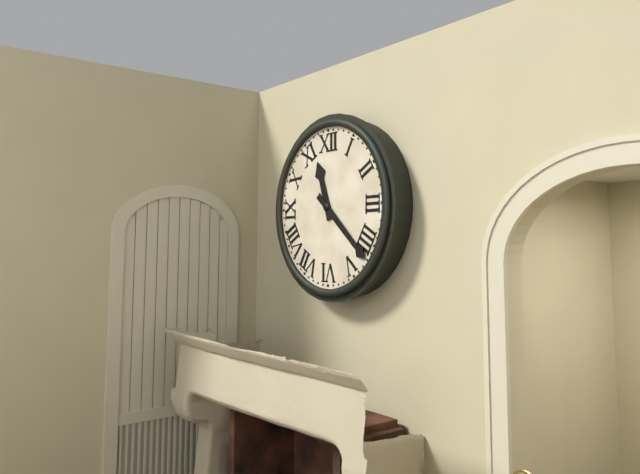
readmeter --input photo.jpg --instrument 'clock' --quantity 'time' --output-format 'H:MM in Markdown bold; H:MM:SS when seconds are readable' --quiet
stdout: **11:22**
